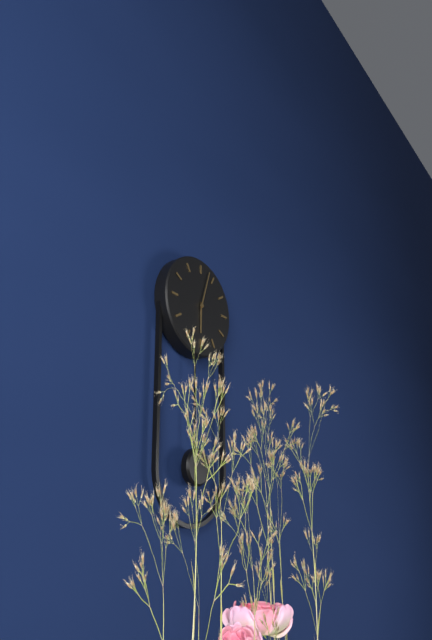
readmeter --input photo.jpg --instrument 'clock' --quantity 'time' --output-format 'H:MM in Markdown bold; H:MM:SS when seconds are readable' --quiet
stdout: **6:03**
